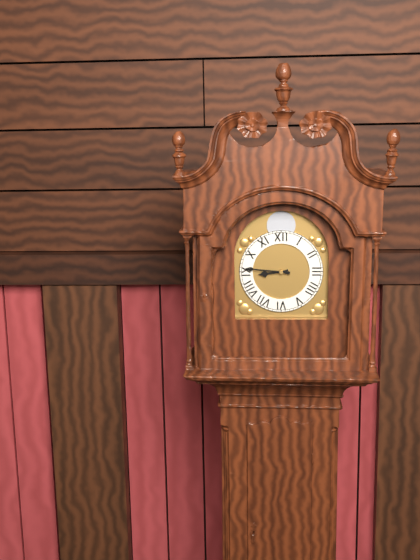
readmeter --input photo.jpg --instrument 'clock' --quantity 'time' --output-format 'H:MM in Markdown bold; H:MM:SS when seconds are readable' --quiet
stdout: **8:46**
